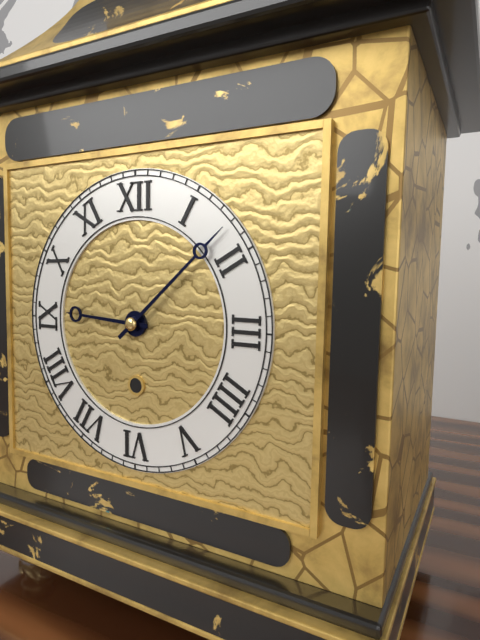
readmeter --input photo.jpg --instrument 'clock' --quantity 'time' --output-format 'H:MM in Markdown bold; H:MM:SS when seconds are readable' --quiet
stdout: **9:08**
